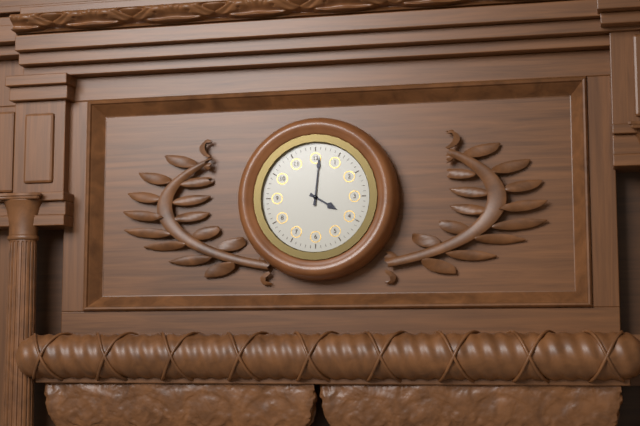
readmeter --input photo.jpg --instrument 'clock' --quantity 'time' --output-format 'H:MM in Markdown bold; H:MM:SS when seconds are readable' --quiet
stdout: **4:01**
